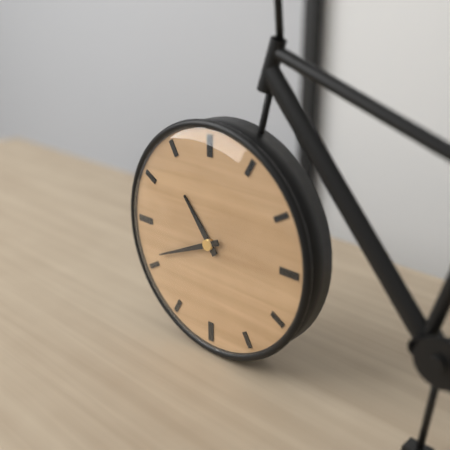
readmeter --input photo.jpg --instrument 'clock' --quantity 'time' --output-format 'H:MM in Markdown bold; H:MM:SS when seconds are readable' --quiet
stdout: **10:41**
